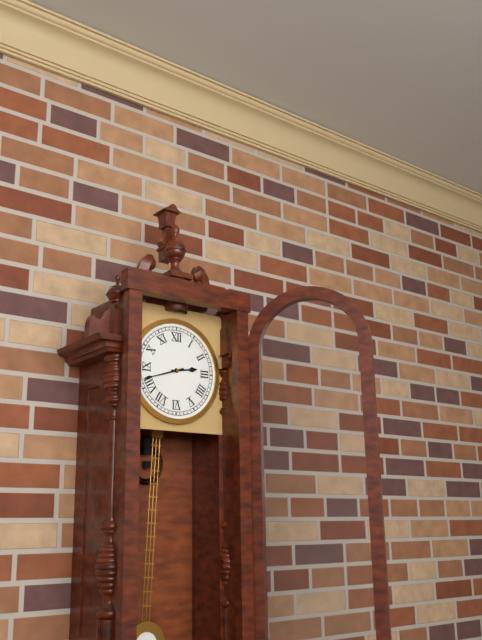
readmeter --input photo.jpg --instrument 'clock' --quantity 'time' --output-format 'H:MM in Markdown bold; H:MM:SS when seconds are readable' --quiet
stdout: **2:42**
